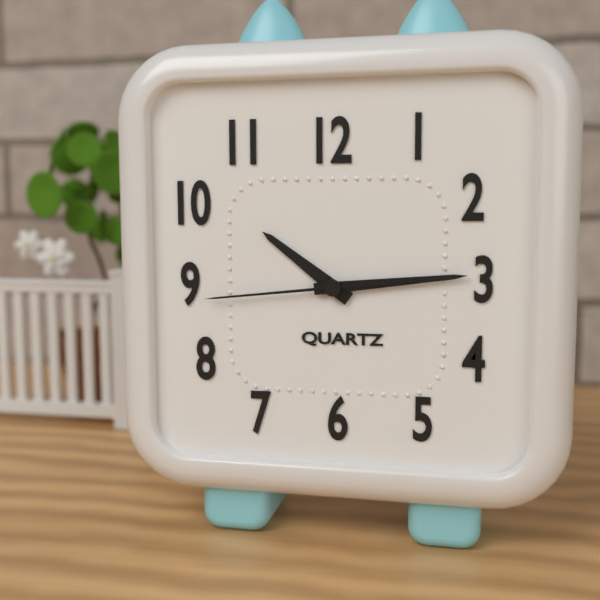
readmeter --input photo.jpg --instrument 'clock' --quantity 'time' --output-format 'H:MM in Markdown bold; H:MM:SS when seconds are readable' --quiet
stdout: **10:14:44**
